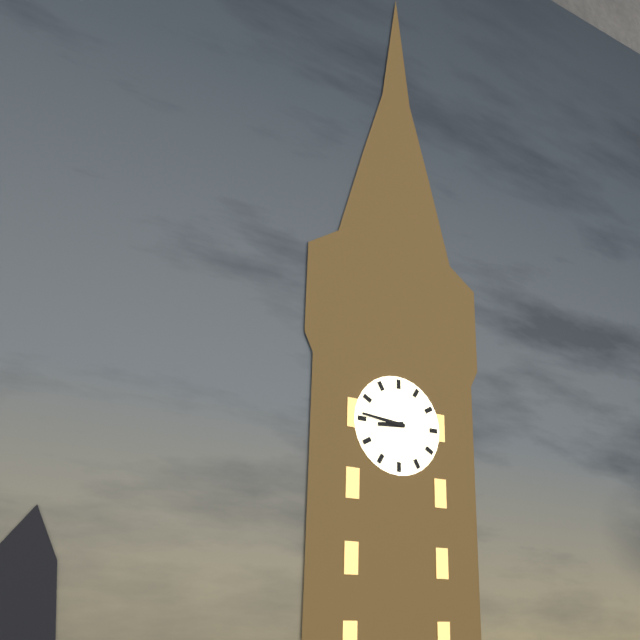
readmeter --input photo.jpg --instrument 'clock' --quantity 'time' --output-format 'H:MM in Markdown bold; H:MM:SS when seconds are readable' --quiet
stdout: **8:46**
